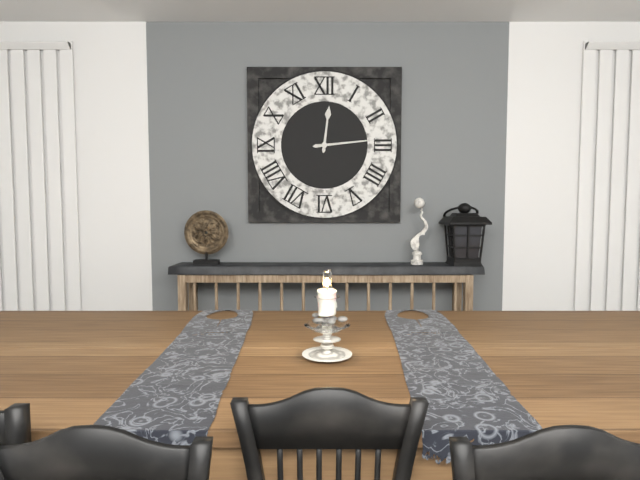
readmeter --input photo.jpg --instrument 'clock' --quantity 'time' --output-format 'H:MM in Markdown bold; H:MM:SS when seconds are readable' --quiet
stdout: **12:14**
